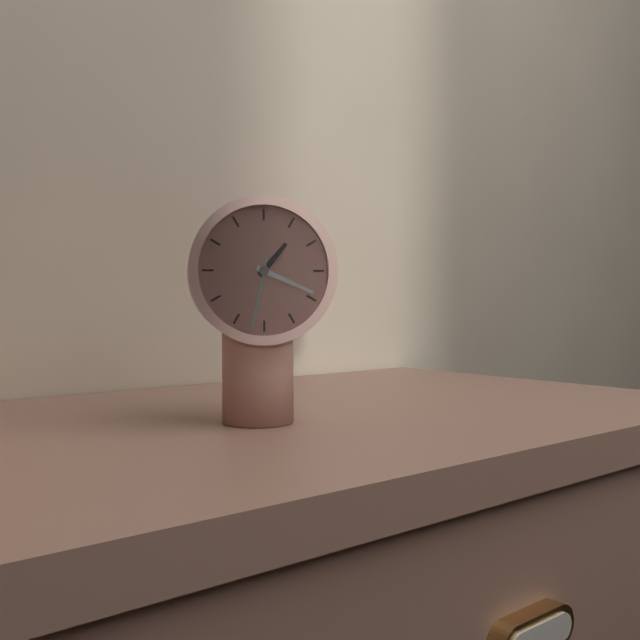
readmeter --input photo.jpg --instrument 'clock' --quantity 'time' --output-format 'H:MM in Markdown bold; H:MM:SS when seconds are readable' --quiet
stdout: **1:19:32**
